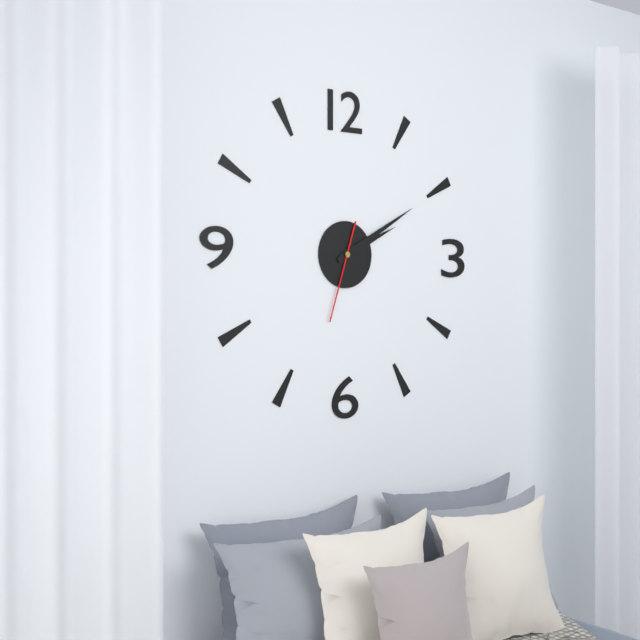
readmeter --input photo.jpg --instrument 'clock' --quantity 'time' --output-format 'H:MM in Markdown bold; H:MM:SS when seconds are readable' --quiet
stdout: **2:10:33**
